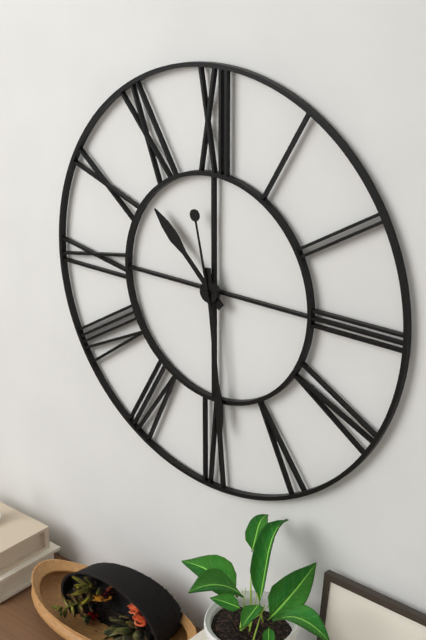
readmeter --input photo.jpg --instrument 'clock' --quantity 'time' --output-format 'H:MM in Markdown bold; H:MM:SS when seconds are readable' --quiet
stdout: **10:29:58**
